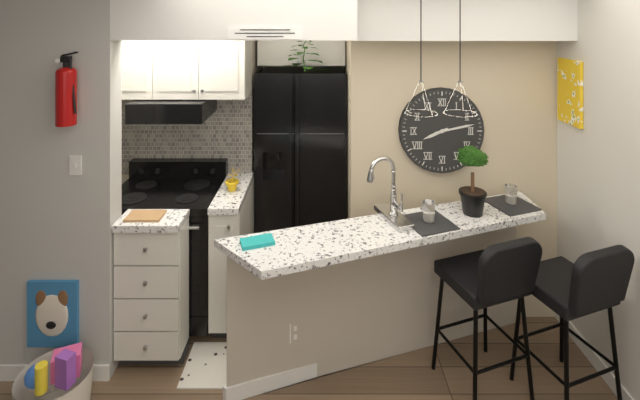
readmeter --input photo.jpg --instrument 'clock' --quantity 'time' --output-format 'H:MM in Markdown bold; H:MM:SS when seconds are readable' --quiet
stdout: **8:13**
